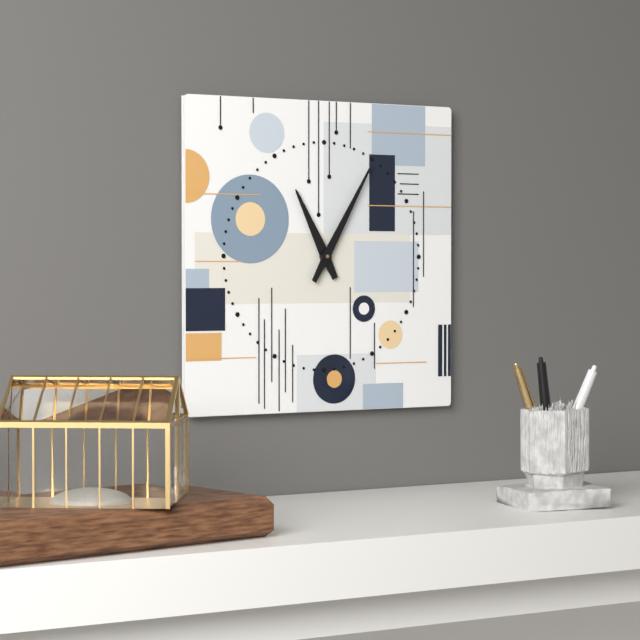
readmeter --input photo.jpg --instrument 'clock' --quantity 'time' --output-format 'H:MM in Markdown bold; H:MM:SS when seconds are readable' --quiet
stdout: **11:05**
